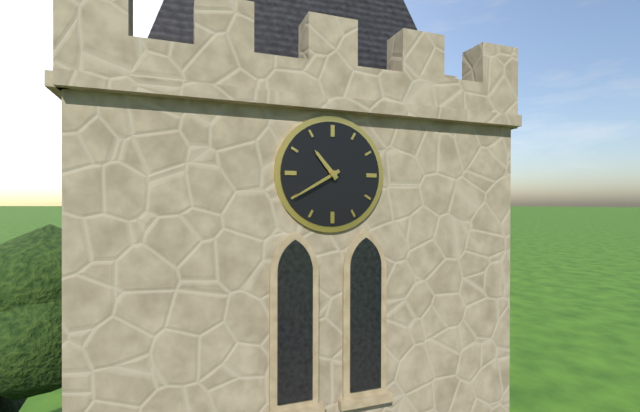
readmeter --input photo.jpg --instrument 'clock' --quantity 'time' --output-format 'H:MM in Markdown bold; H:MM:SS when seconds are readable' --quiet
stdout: **10:40**
